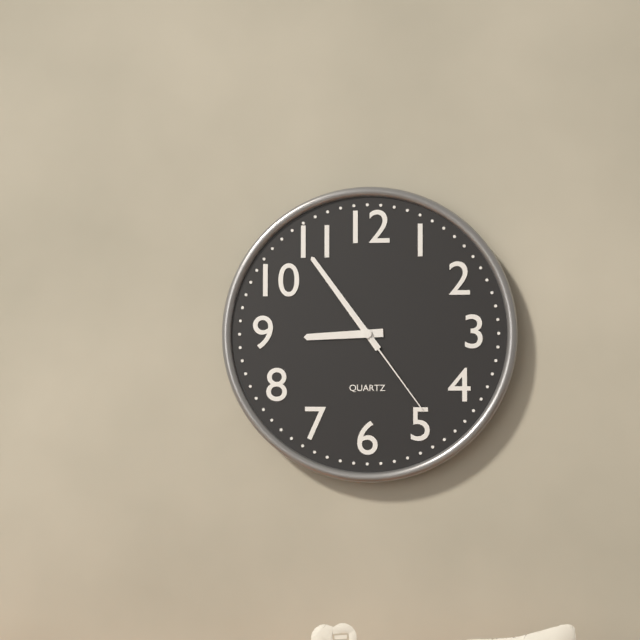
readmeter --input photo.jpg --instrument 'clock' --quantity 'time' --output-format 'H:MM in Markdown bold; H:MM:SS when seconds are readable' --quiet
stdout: **8:54:24**
